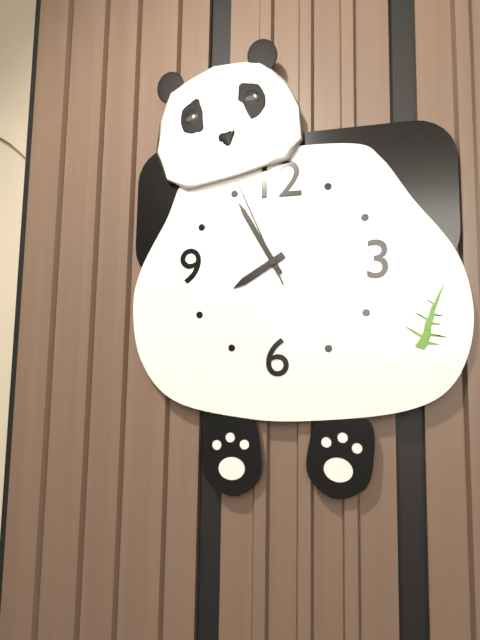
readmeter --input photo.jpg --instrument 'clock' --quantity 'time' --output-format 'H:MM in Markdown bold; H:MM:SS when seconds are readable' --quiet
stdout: **7:55:56**
